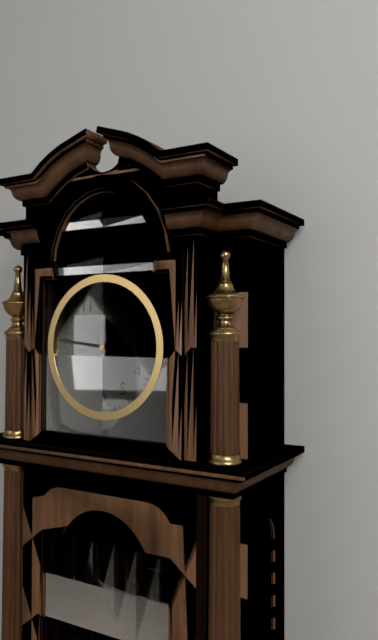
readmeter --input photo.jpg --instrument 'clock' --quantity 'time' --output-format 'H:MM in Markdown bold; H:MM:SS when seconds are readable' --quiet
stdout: **8:46**
